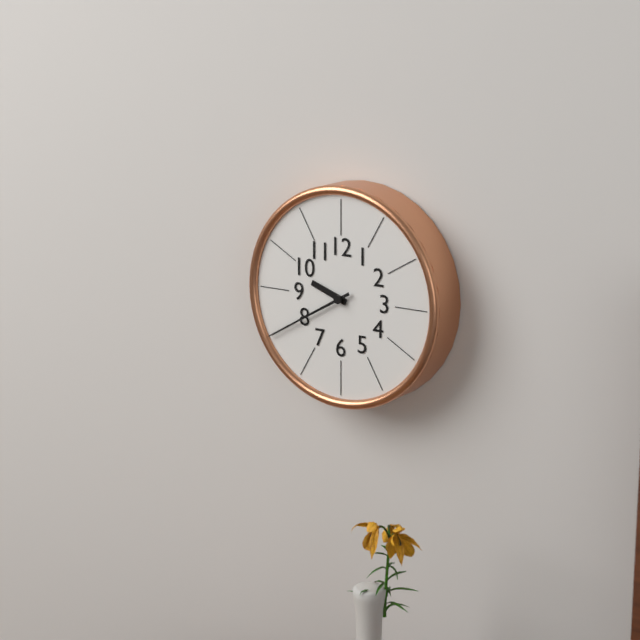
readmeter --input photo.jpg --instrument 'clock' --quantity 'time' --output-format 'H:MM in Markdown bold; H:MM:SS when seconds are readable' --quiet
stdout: **9:40**
